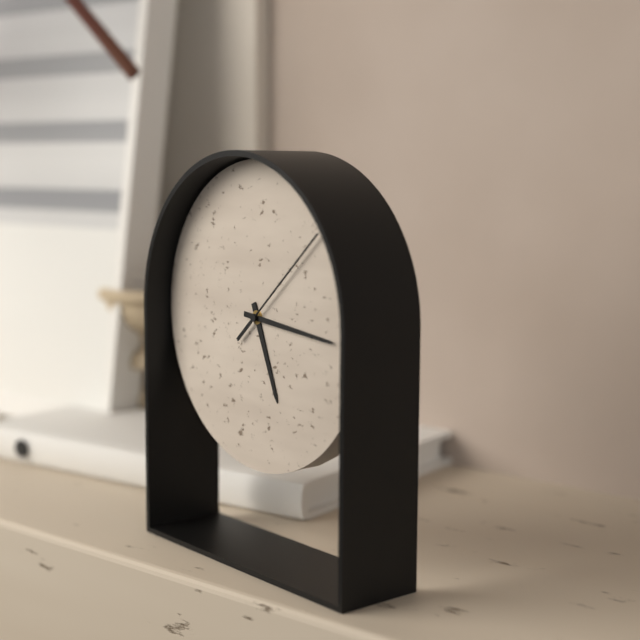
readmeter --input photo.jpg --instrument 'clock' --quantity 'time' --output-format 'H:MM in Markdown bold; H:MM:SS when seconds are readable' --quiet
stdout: **5:16:08**
